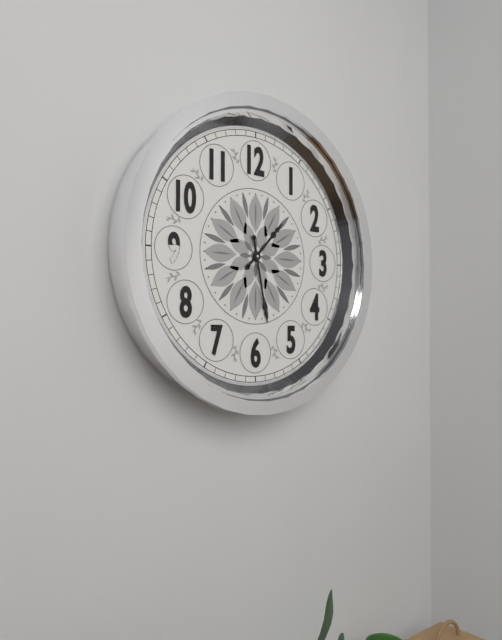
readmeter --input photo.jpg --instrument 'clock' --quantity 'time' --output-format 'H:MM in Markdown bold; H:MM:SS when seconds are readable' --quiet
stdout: **1:28**
